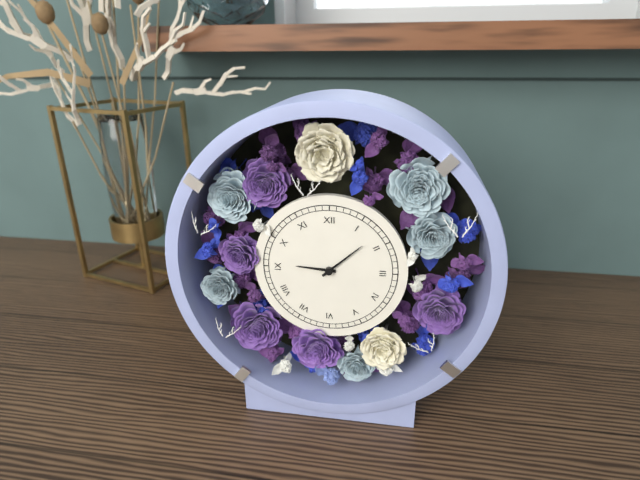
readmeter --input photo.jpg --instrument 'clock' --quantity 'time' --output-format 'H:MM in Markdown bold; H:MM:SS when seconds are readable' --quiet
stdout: **9:08**
